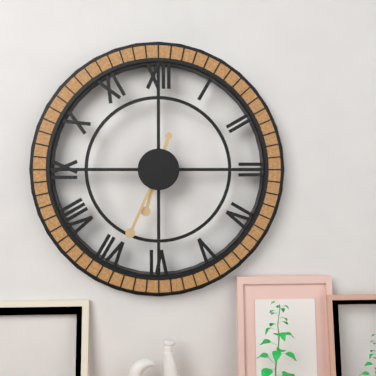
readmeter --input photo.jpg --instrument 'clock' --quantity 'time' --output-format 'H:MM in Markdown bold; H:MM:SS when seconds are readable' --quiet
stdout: **6:34**
